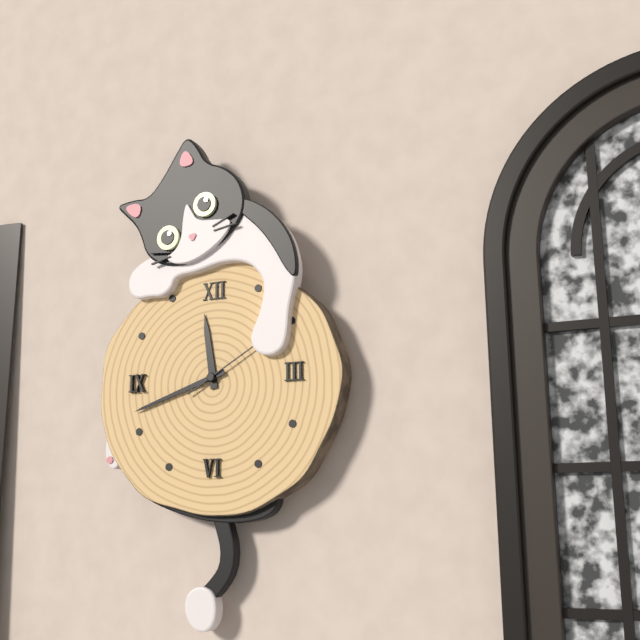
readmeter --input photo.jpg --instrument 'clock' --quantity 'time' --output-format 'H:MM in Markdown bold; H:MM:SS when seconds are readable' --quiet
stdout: **11:42**
